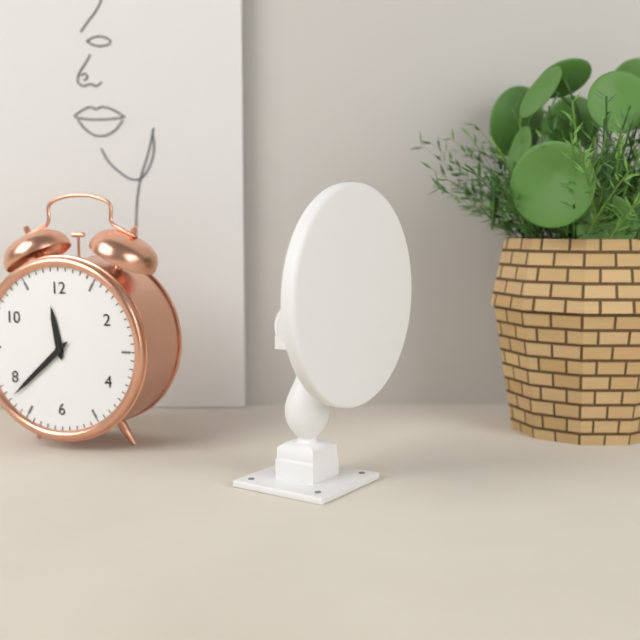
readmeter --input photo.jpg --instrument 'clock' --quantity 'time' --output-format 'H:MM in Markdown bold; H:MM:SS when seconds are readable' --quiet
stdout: **11:38**
